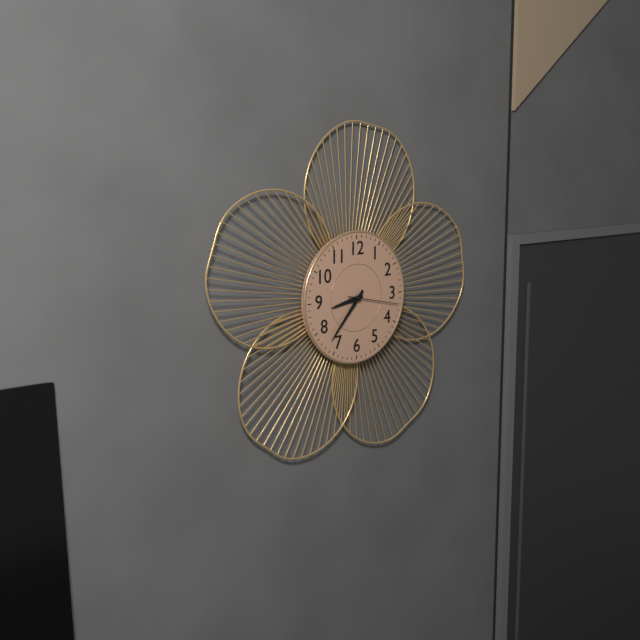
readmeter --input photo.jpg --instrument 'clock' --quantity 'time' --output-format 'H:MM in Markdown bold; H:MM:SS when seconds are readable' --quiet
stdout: **8:37**
